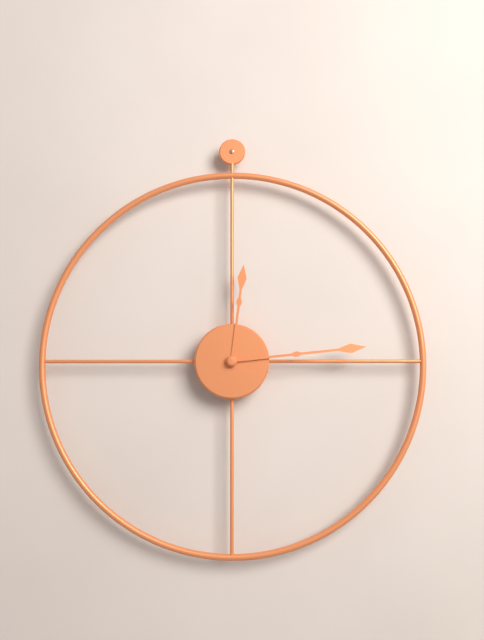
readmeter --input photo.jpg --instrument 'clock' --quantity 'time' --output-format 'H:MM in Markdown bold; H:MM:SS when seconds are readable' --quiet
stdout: **12:14**
